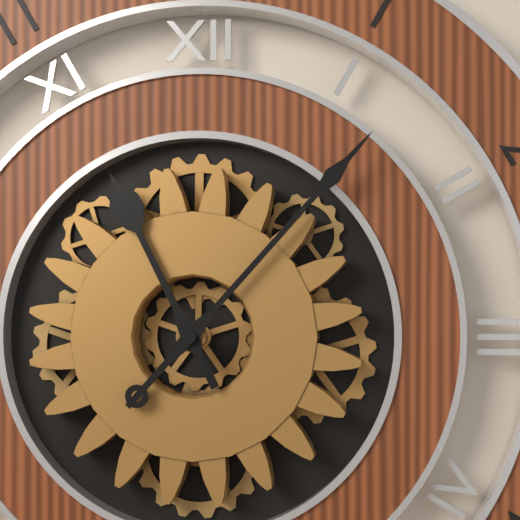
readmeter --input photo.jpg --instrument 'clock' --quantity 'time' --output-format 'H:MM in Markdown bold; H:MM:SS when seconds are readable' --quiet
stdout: **11:07**
